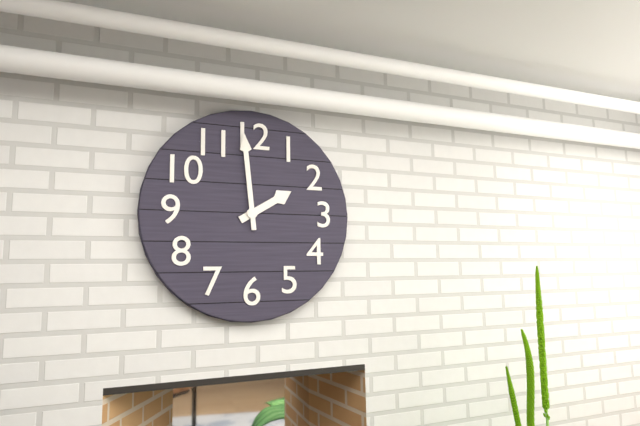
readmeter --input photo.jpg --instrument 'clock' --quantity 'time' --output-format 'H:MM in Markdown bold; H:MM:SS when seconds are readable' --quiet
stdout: **1:59**
